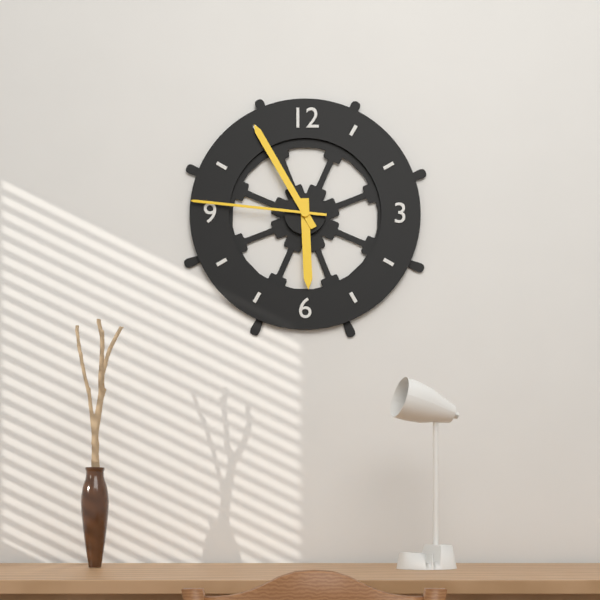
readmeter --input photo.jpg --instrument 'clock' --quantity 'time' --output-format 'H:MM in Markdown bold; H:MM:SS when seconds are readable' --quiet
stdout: **5:55:46**
